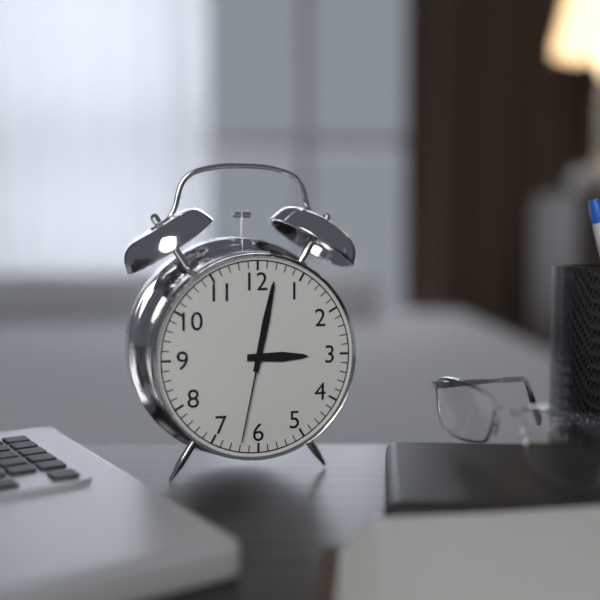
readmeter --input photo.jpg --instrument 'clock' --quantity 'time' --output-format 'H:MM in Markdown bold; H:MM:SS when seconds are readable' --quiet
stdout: **3:02:32**
